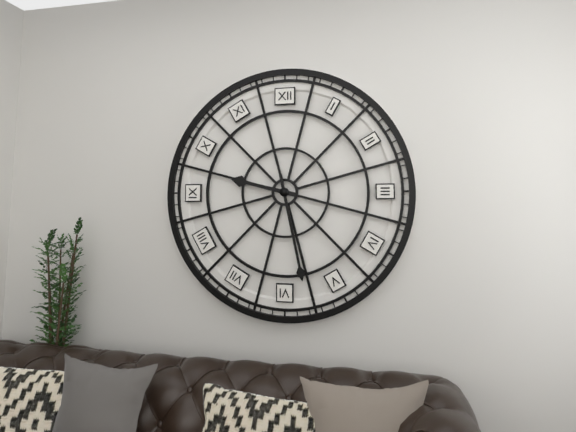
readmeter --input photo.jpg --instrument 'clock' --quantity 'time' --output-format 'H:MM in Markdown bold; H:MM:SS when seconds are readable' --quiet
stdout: **9:28**
